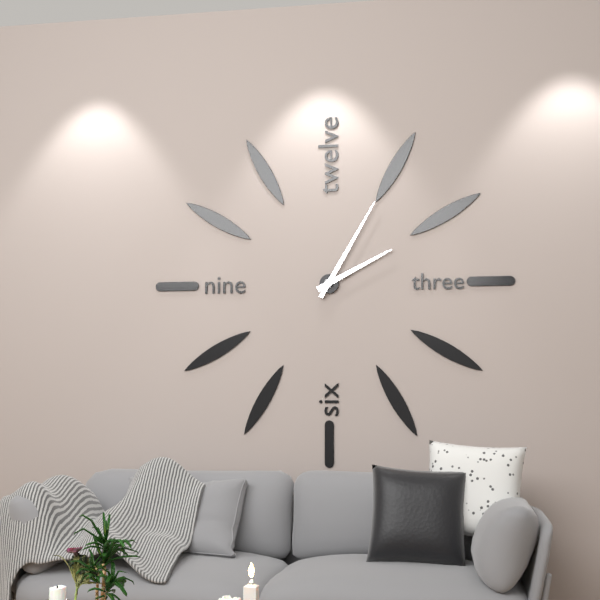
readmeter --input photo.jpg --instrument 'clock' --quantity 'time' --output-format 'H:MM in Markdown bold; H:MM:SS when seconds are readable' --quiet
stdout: **2:05**
